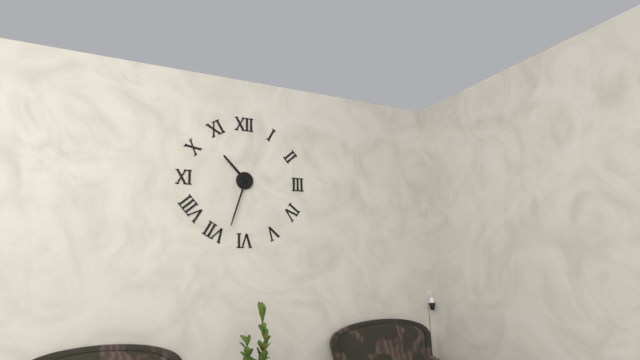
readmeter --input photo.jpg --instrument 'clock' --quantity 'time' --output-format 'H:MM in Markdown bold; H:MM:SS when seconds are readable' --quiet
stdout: **10:33**
